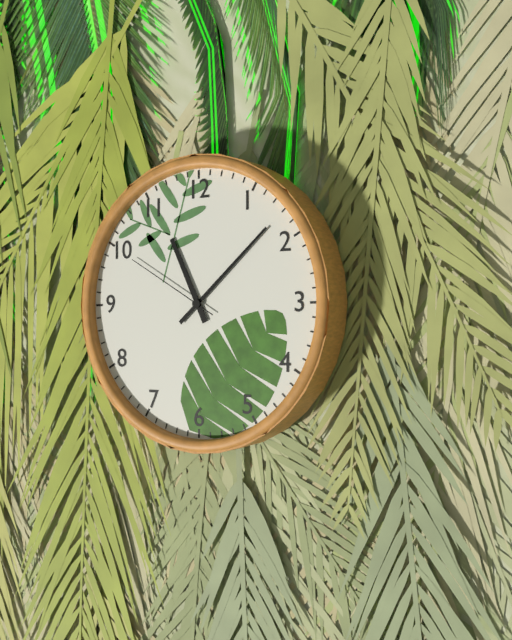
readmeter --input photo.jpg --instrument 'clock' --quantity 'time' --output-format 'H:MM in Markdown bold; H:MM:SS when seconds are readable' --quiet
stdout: **11:08:50**
